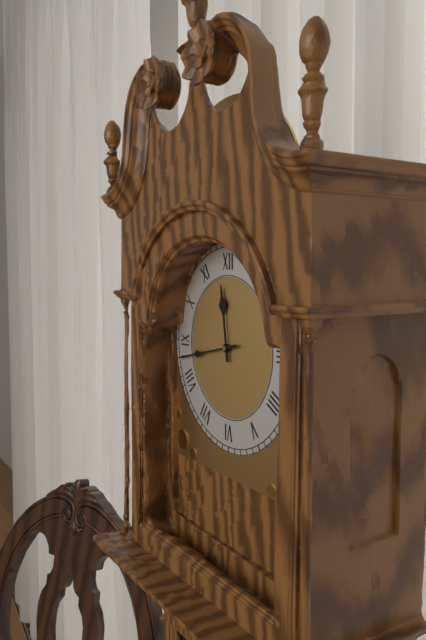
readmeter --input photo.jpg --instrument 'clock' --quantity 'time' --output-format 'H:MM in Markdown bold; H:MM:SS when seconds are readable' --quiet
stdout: **11:43**
